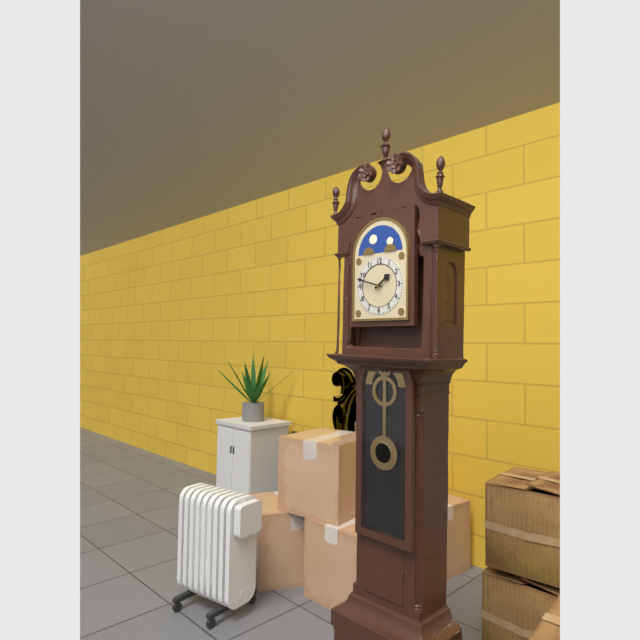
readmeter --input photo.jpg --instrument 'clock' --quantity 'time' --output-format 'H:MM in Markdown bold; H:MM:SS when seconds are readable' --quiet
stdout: **1:48**
